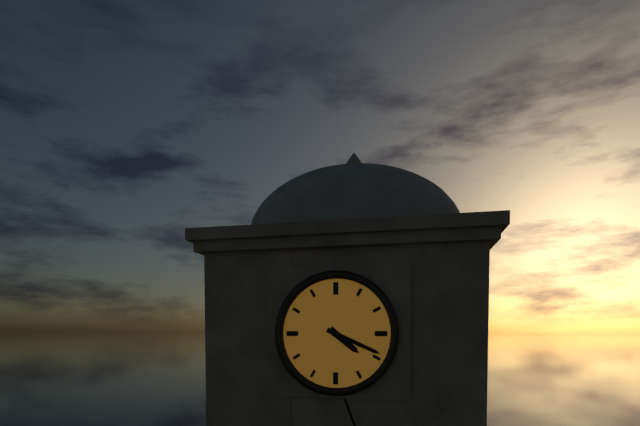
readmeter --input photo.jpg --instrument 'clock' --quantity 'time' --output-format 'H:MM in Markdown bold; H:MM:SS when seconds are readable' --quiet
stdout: **4:19**
